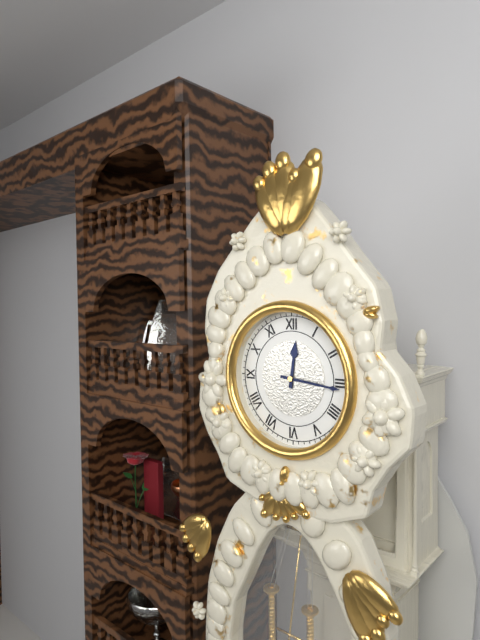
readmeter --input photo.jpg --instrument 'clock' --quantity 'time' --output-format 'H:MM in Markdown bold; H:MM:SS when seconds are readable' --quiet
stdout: **12:16**
